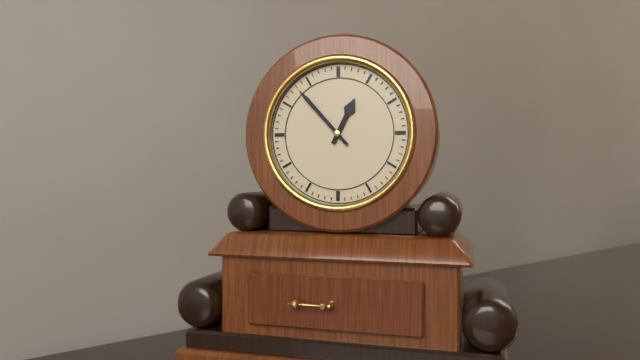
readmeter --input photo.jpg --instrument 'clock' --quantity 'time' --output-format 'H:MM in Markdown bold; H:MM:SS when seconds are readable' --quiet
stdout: **12:53**
